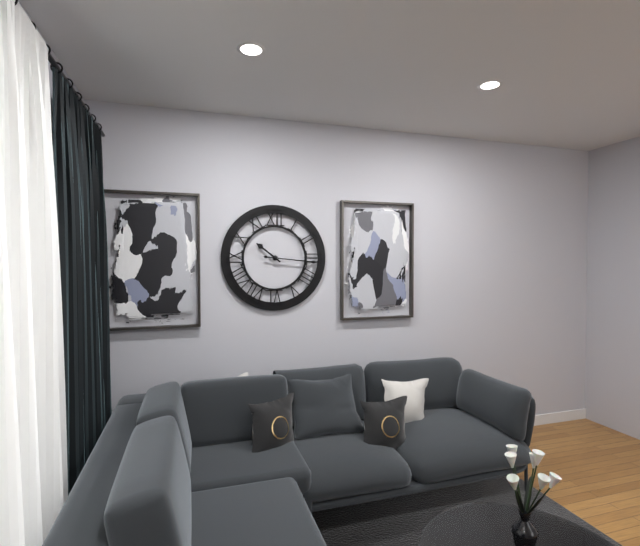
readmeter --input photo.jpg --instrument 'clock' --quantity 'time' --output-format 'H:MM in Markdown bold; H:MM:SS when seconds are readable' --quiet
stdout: **10:16**
